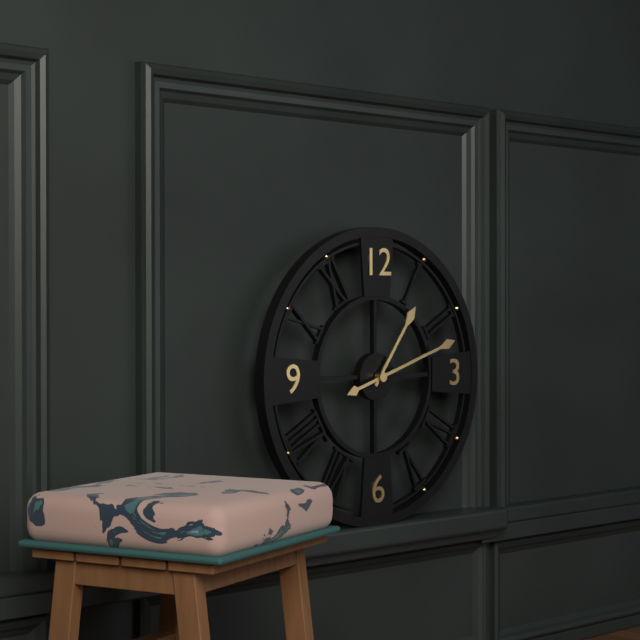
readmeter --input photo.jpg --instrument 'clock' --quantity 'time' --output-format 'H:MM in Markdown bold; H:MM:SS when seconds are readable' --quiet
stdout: **1:12**
